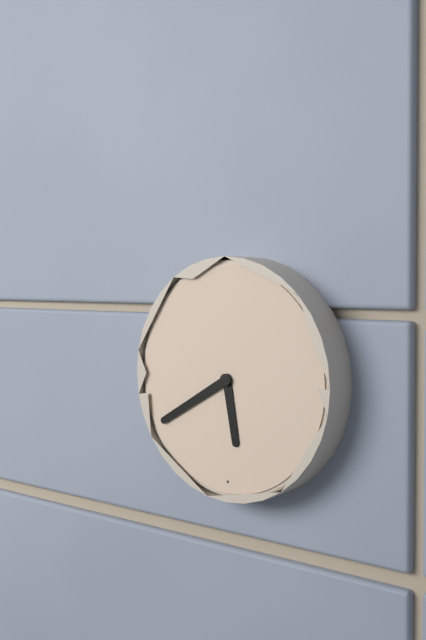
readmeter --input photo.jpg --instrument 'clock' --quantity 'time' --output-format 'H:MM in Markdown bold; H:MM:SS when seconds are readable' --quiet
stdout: **5:40**
